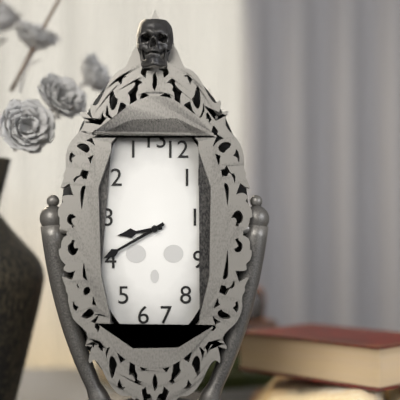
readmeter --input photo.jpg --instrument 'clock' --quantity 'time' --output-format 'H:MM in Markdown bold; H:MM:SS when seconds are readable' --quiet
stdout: **8:40**
